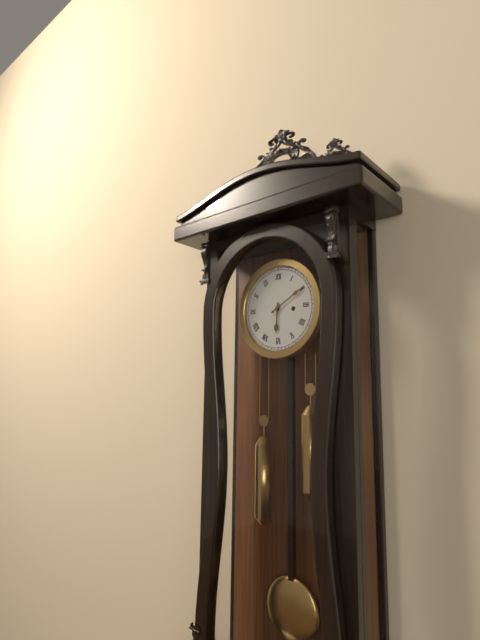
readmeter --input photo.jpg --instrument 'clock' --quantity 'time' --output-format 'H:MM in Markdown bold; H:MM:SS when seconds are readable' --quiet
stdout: **6:10**
